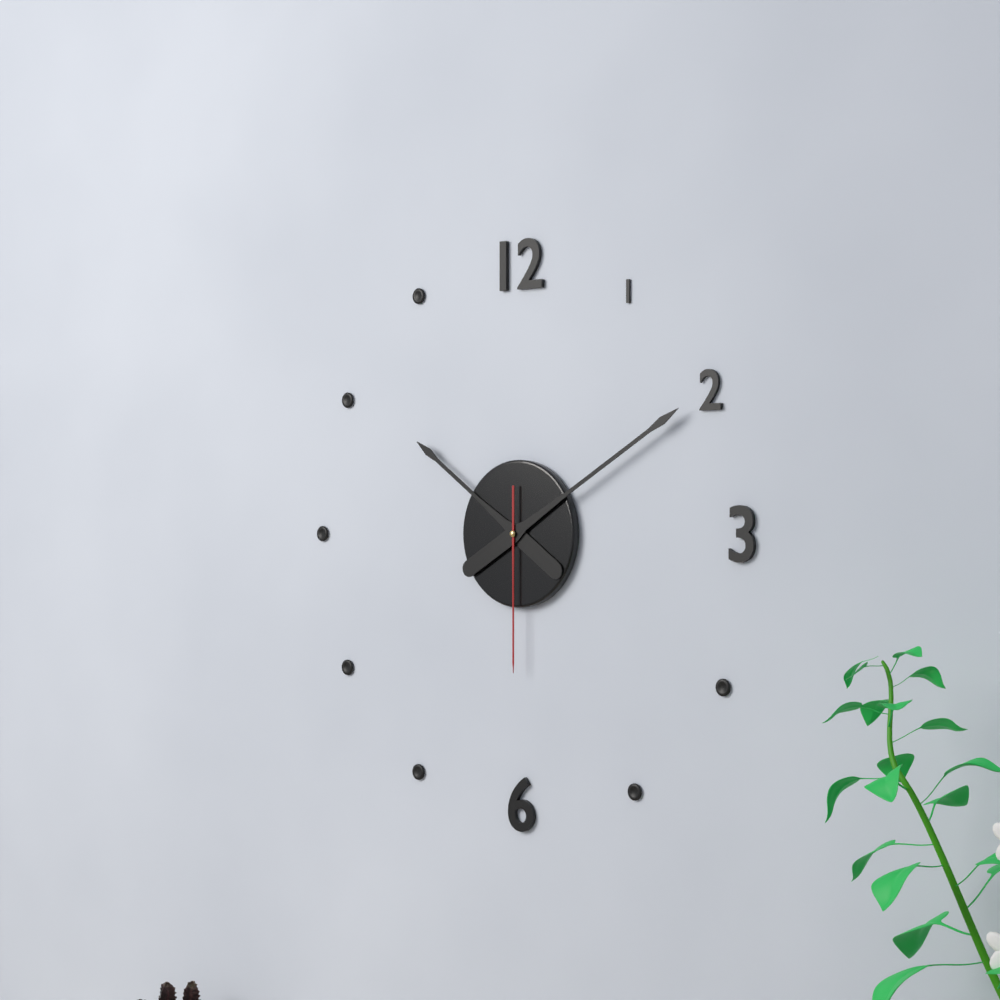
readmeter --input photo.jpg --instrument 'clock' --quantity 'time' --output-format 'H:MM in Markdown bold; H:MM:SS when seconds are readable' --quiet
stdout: **10:10:30**
